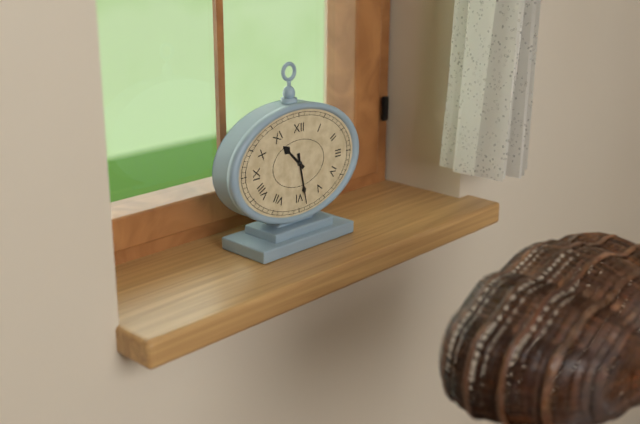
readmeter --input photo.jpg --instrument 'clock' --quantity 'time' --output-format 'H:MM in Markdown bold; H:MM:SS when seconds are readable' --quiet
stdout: **10:28**
